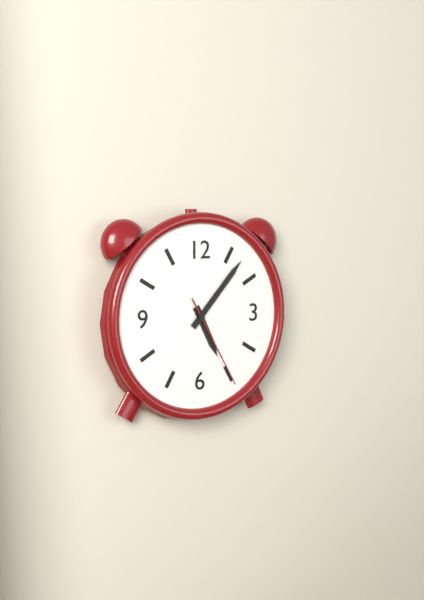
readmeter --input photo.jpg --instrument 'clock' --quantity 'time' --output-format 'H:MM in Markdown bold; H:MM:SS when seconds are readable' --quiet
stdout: **5:07:25**
